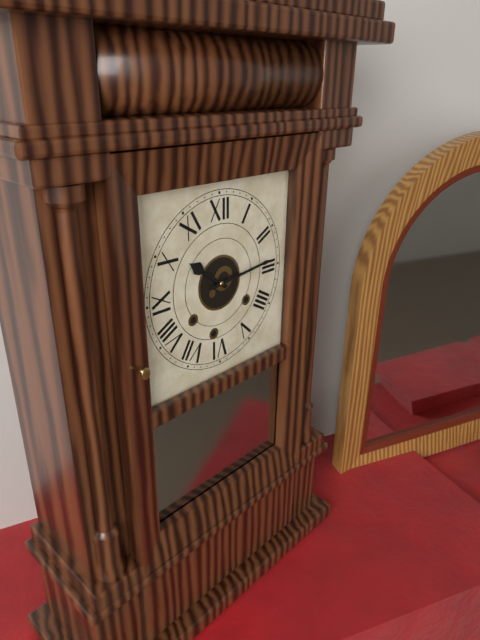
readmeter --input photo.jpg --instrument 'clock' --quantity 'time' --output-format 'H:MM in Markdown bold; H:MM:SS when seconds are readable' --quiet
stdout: **10:14**
